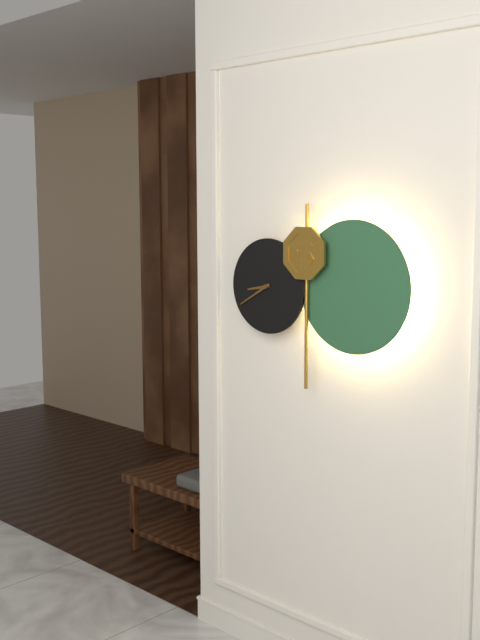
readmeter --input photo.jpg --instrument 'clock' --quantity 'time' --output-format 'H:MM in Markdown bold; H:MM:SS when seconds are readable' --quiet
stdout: **8:40**
